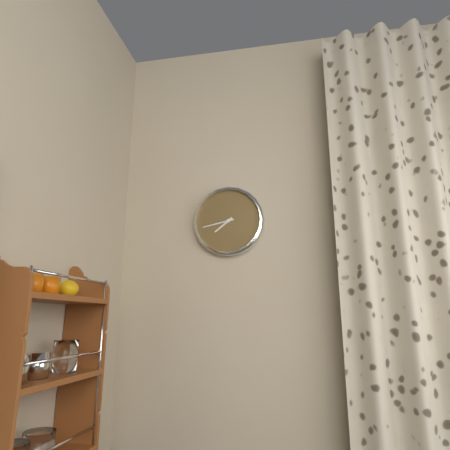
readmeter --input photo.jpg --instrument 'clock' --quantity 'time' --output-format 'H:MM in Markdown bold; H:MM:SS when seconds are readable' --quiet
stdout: **7:43**
